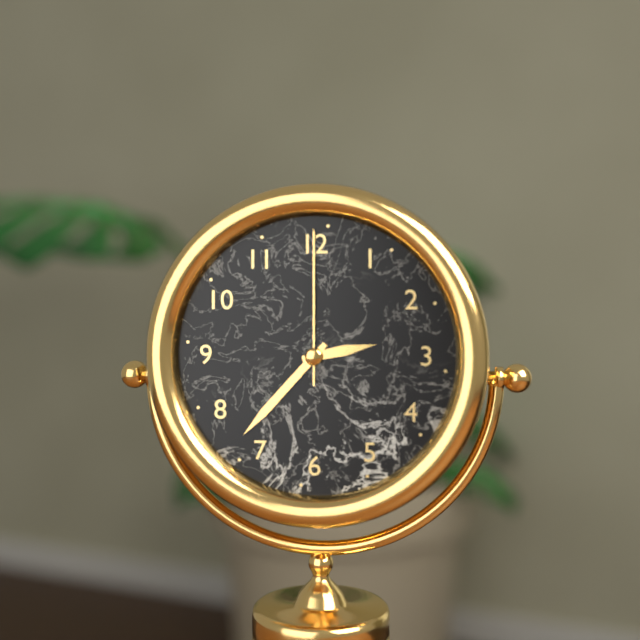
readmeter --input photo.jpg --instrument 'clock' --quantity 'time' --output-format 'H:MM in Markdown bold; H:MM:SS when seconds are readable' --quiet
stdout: **2:37:00**
